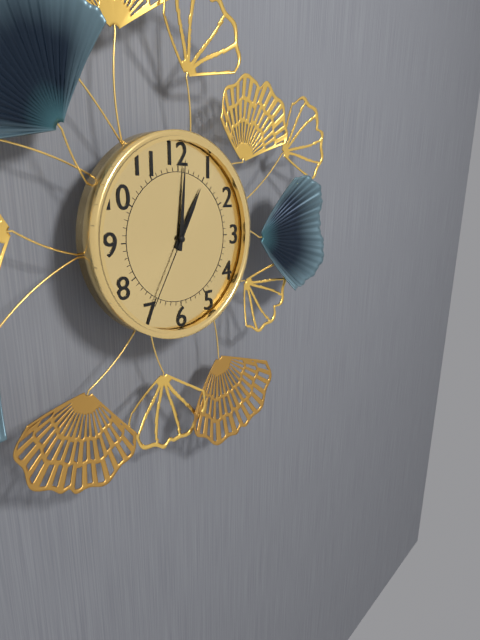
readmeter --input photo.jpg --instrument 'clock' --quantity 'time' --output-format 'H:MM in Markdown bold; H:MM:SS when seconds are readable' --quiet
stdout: **1:01:35**
